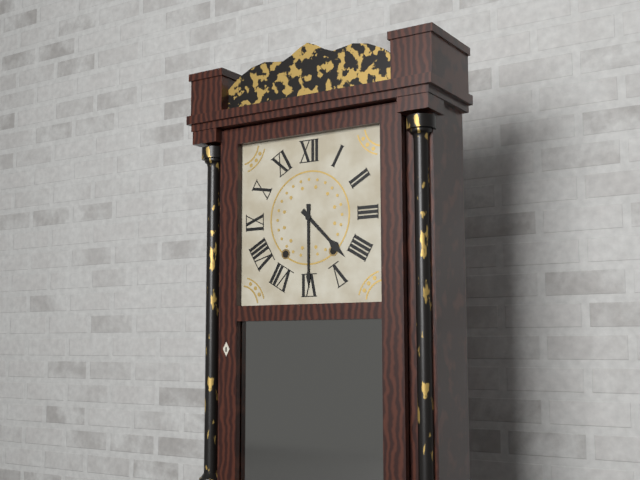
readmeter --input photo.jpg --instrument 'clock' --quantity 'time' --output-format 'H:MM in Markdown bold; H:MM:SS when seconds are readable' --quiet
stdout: **4:30**
